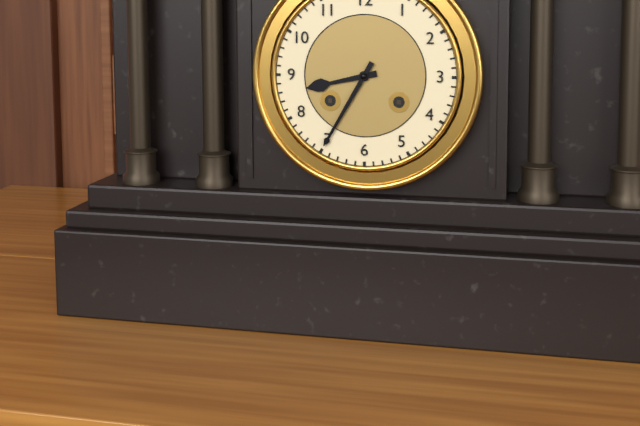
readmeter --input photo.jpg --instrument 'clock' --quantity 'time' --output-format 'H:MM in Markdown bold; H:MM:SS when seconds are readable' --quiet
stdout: **8:35**
